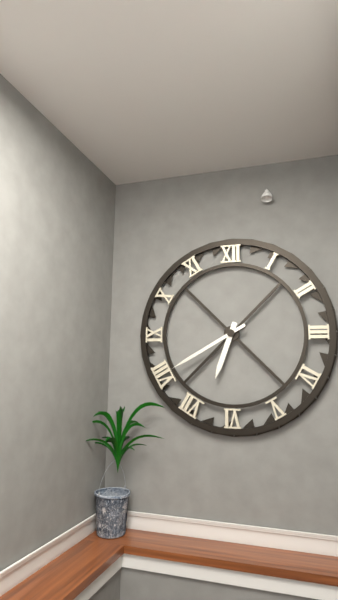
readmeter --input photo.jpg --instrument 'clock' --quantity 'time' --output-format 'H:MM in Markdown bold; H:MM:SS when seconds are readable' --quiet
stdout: **6:40**
